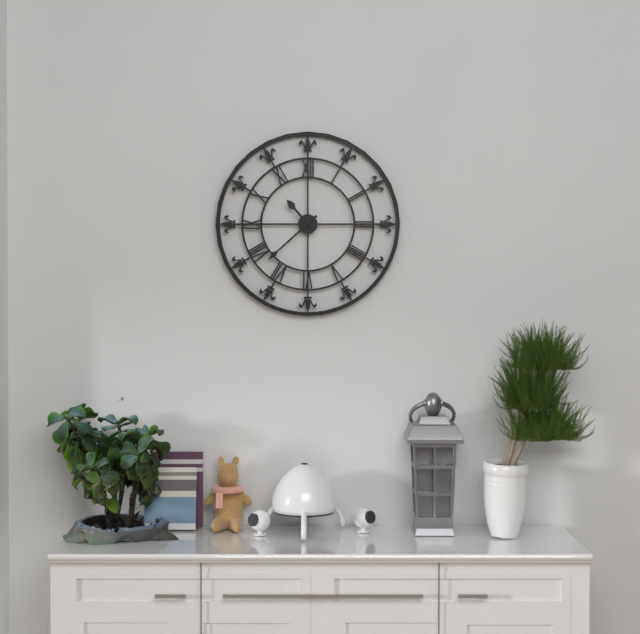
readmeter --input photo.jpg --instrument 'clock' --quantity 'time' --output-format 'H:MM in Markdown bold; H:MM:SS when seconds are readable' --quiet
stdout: **10:38**
